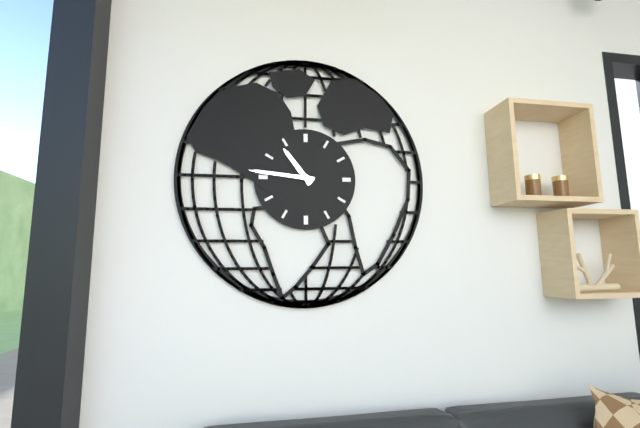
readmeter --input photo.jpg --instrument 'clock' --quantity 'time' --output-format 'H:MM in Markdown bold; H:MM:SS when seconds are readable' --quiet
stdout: **10:46**
